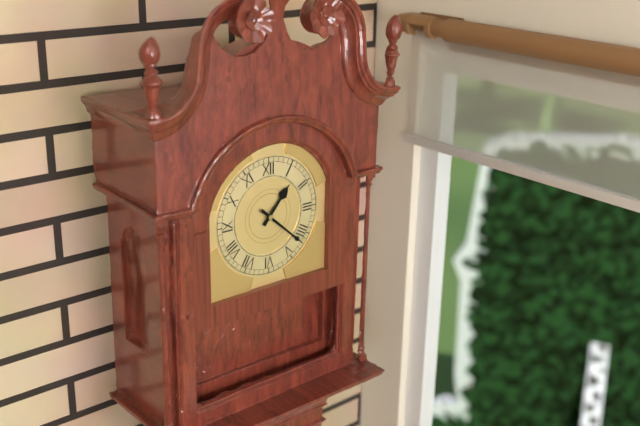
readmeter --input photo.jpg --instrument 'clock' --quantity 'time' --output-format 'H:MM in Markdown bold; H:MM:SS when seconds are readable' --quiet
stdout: **1:22**
